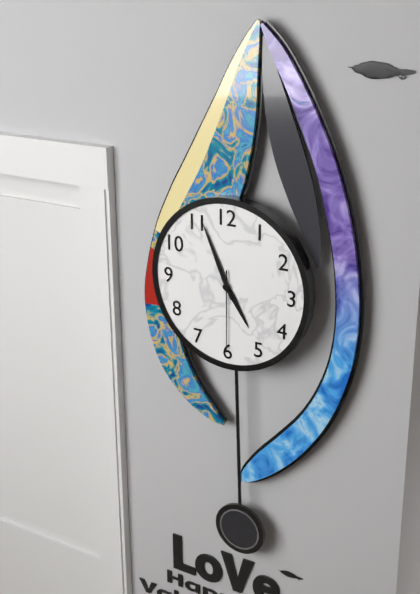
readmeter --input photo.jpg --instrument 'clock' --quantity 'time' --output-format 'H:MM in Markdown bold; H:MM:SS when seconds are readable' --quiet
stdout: **4:56:30**
